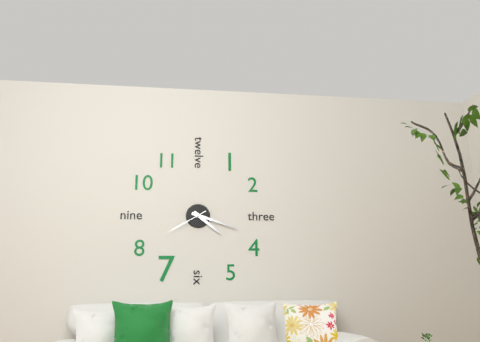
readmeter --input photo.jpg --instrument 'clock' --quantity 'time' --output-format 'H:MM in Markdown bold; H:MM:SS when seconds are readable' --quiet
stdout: **4:18**
